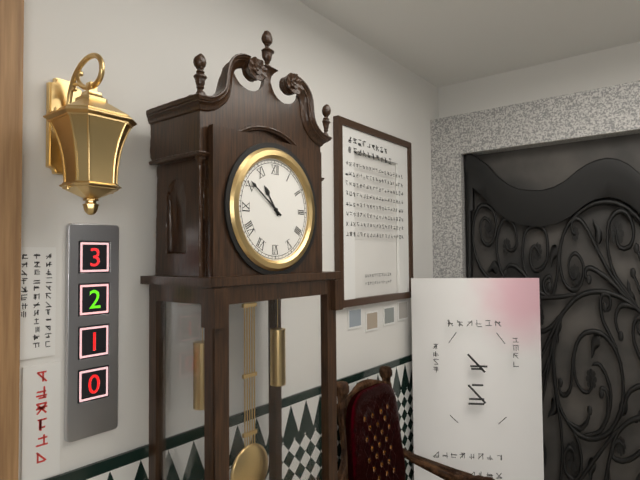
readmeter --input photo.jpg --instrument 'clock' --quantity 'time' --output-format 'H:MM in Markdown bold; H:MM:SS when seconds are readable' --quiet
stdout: **10:51**
